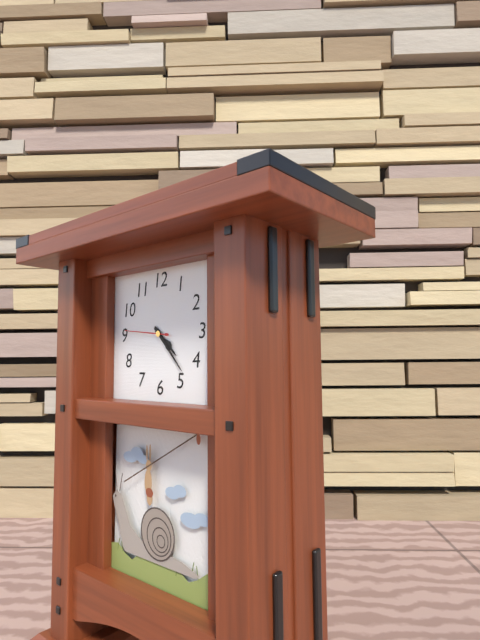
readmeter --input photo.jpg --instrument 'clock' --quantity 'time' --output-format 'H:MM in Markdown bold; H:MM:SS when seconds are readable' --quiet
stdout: **4:23**
